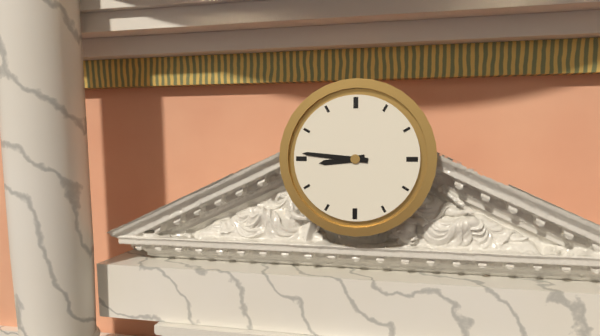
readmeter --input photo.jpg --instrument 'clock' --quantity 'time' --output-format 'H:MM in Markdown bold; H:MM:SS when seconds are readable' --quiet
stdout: **8:46**
